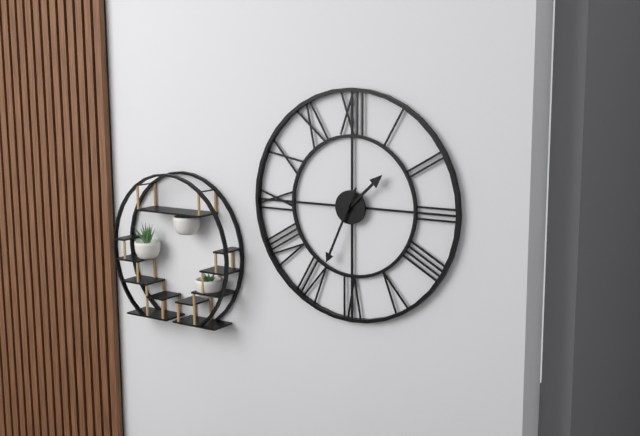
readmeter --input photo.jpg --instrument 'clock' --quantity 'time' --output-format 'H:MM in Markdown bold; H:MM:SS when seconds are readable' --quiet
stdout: **1:34**
